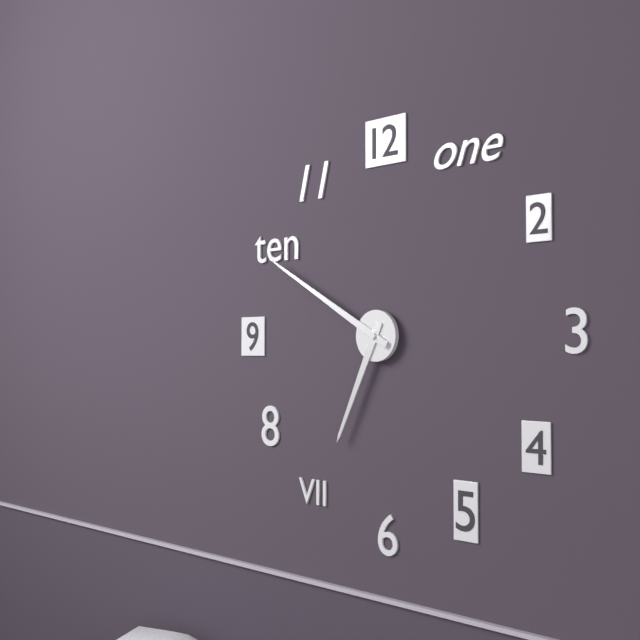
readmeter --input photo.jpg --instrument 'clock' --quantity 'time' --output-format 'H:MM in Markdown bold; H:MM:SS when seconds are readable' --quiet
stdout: **6:50**
